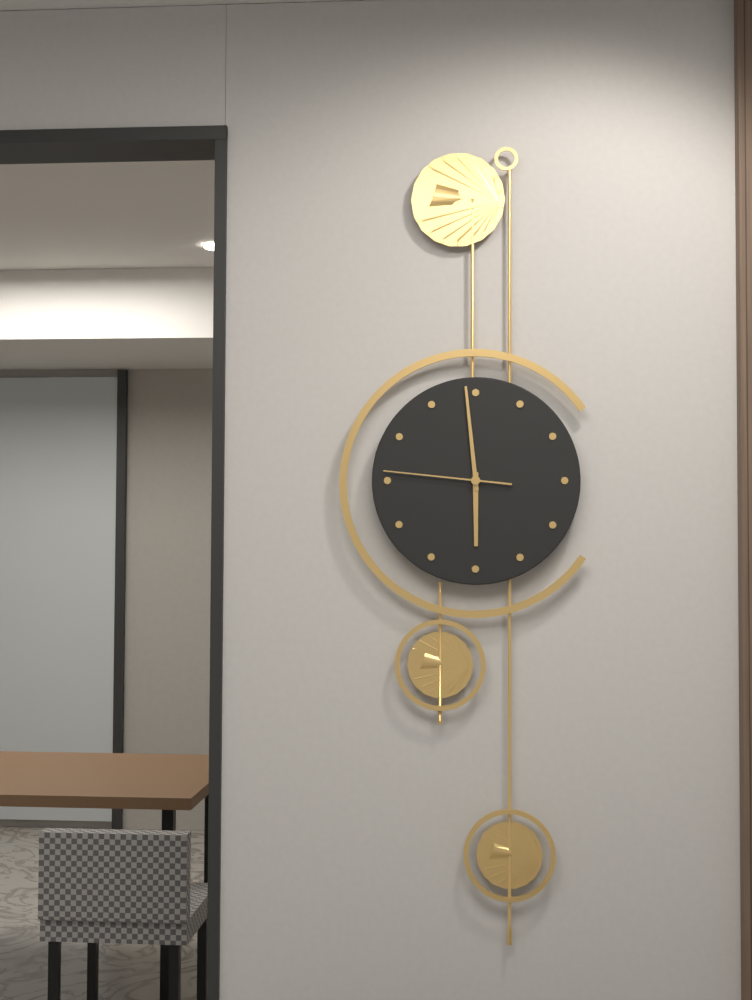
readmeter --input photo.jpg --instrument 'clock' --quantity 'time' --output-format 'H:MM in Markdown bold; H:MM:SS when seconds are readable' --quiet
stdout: **5:59:46**
